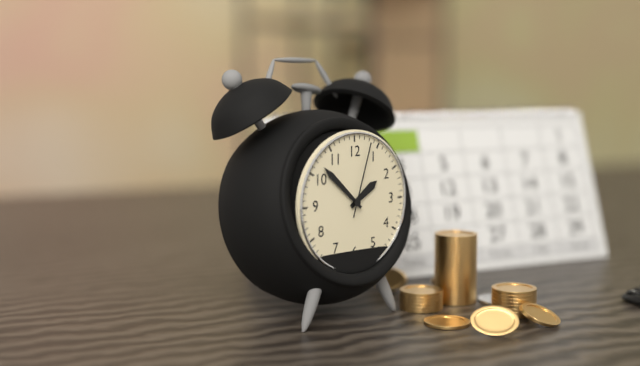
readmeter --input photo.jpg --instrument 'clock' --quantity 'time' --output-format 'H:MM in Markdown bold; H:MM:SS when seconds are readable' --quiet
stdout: **1:52:03**
